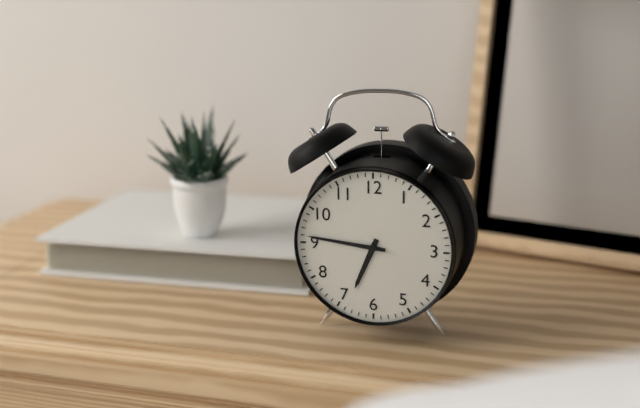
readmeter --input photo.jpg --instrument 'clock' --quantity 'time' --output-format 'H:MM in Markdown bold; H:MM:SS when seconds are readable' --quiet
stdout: **6:46**
